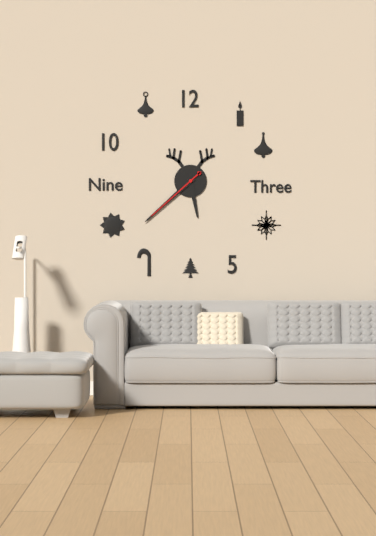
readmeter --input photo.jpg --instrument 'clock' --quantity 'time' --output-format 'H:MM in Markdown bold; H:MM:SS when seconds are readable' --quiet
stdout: **5:38:38**
